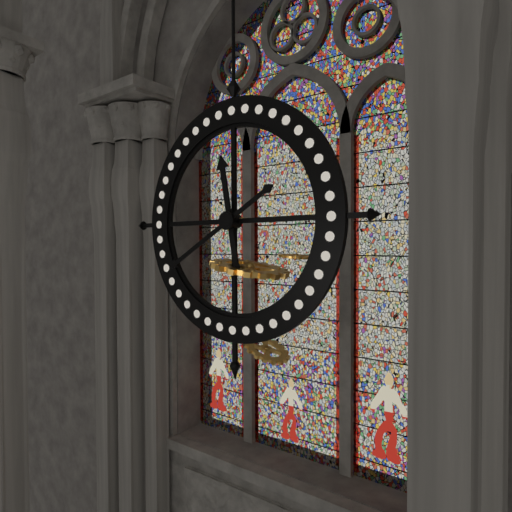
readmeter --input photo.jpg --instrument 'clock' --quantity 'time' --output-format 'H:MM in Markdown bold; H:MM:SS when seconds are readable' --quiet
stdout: **11:40**
